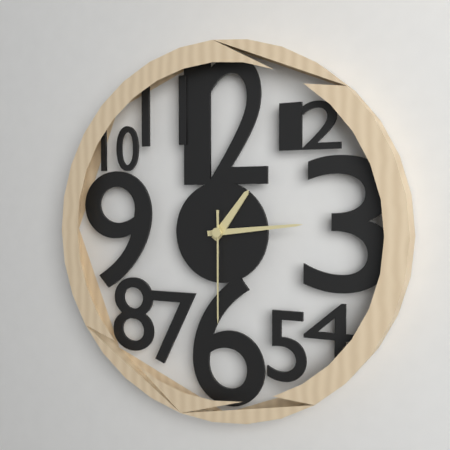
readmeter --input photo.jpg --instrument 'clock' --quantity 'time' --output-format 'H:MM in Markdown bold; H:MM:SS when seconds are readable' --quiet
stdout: **1:14:30**
